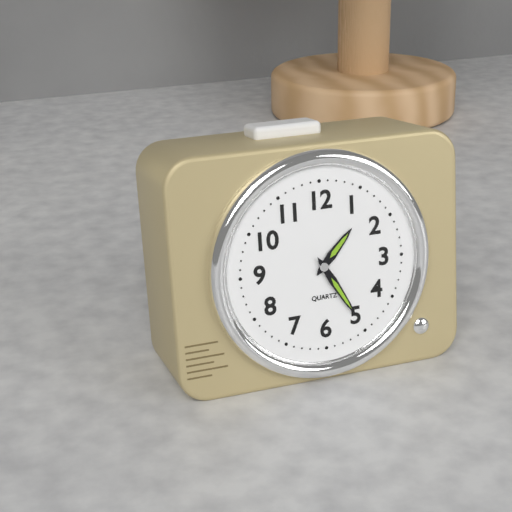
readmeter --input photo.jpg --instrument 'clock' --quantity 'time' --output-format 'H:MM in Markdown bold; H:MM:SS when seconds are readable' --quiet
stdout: **1:25**
